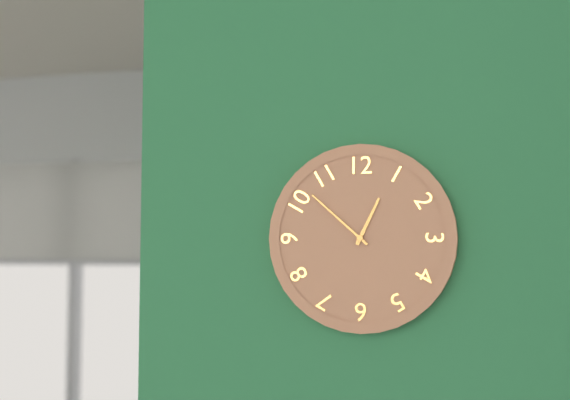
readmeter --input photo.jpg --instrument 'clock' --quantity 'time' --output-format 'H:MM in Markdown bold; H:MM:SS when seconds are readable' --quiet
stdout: **12:52**
